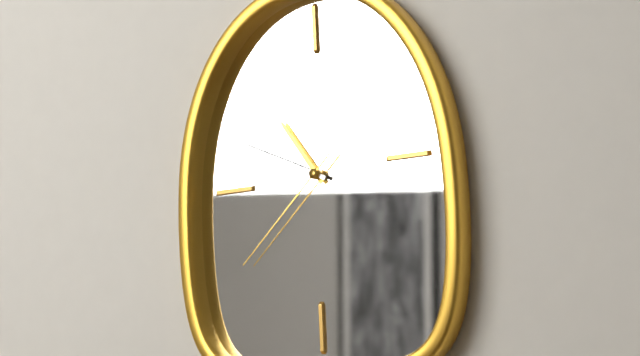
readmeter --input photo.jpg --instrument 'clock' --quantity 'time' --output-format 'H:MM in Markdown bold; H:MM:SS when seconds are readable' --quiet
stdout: **10:49:38**
